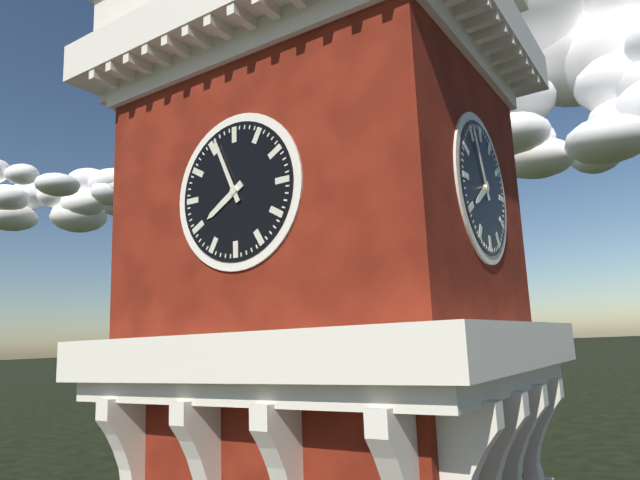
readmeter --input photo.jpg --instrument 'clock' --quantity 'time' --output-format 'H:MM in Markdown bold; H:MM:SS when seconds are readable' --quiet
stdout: **7:56**
